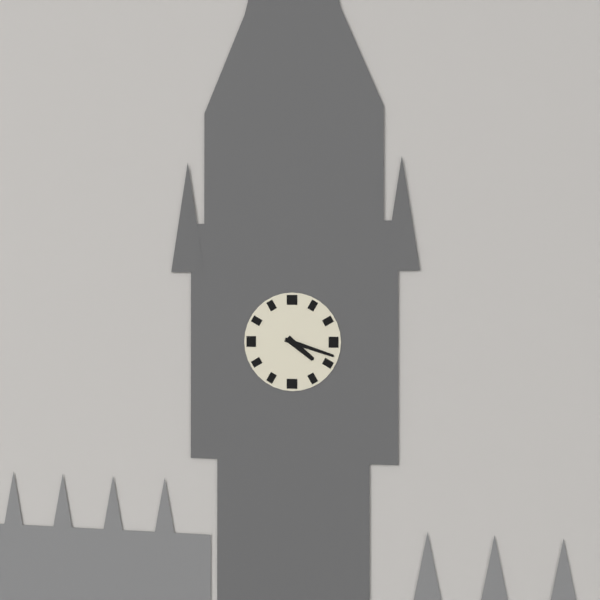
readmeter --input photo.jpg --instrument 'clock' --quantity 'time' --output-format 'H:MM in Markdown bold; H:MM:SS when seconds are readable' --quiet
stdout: **4:18**
